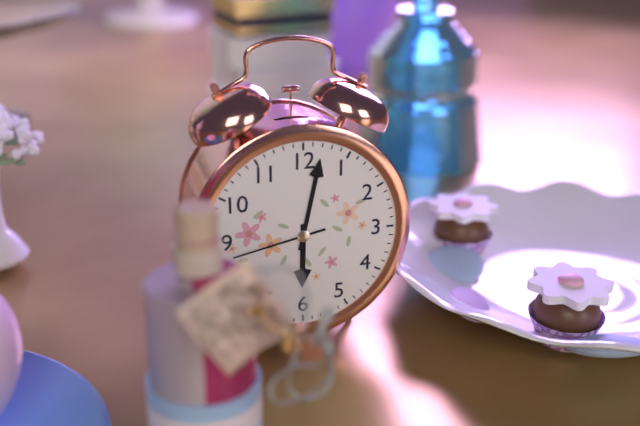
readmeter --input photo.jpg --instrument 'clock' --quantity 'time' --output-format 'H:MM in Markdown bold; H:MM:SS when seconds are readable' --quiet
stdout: **6:02:43**
